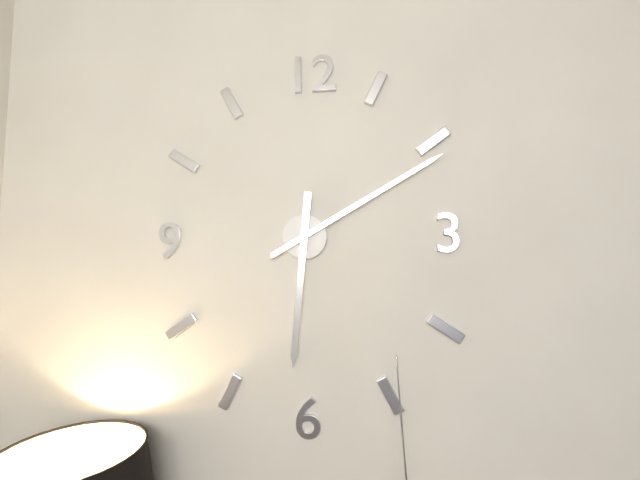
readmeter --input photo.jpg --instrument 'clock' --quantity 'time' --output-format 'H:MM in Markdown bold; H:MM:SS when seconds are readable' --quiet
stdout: **6:10**
